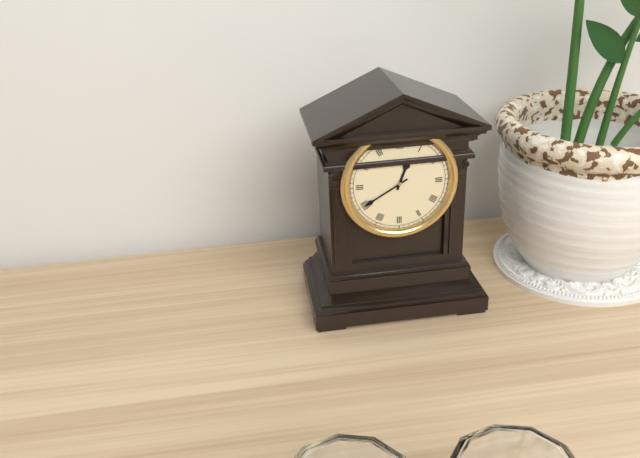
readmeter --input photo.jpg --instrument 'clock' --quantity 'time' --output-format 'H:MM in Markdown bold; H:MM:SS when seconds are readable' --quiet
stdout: **12:40**
